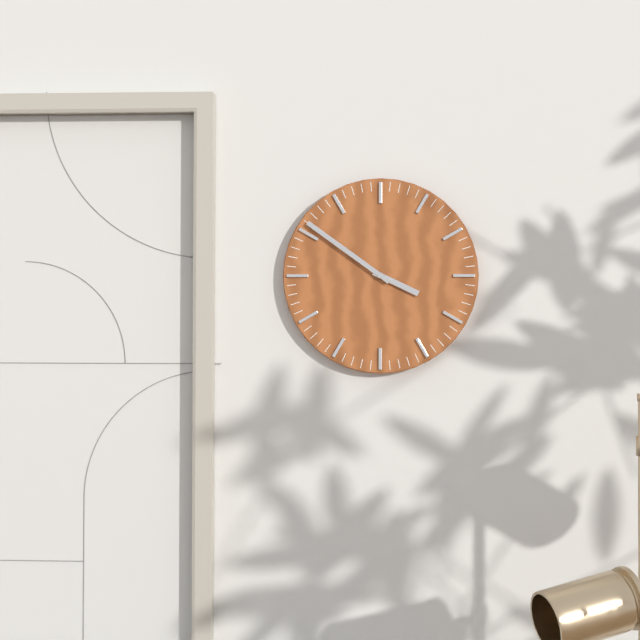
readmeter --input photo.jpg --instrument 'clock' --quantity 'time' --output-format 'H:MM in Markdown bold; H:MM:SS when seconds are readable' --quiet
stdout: **3:51**
